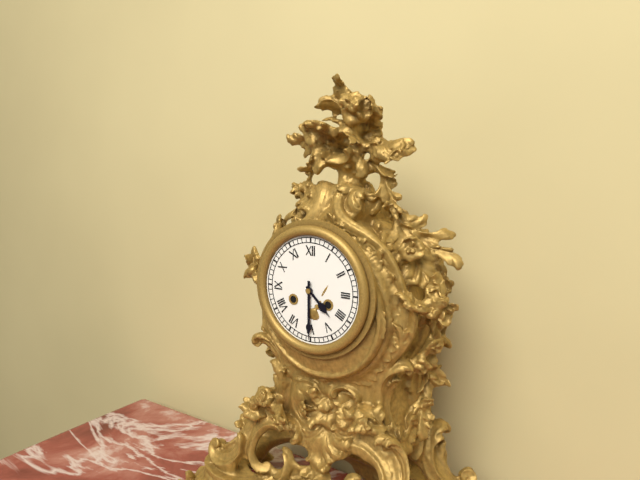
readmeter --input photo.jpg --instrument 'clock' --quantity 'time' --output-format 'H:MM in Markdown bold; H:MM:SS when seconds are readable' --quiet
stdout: **4:30**
